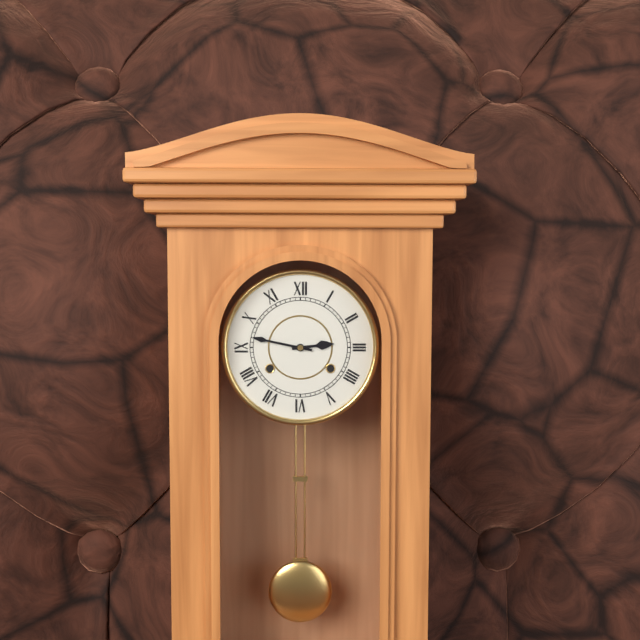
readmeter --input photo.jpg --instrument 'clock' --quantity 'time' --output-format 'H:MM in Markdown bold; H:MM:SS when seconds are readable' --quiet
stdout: **2:47**
